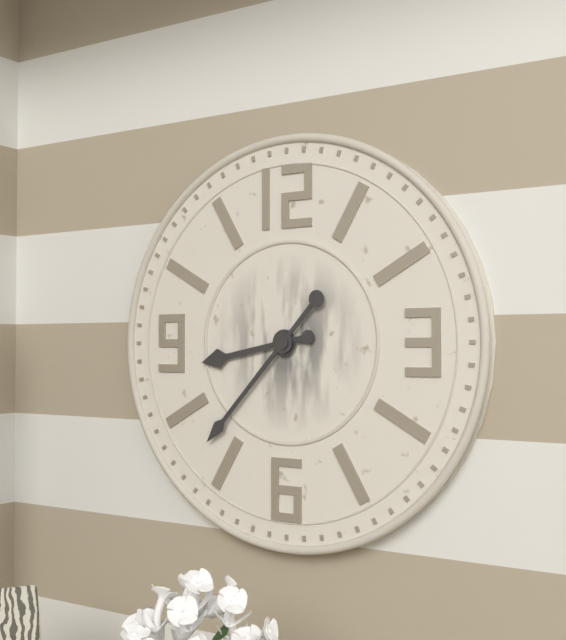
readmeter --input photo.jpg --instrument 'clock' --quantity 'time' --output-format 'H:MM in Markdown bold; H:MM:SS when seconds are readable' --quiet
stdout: **8:37**
